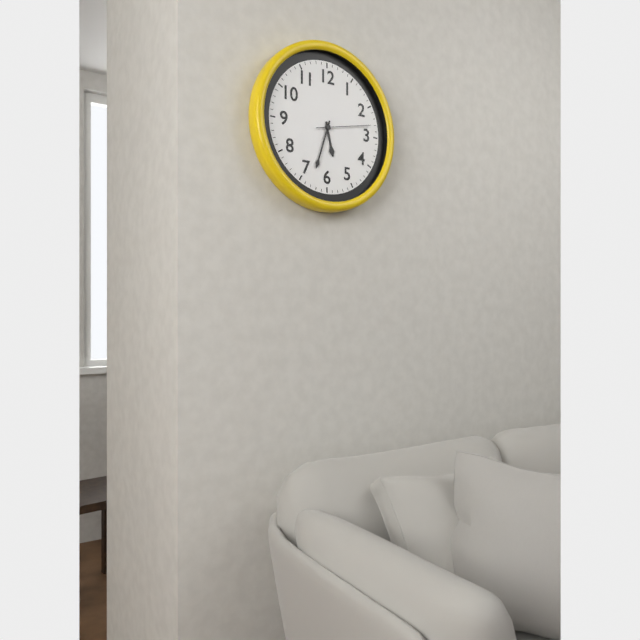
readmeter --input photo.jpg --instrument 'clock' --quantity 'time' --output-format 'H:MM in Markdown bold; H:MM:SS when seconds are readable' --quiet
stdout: **5:33:13**
